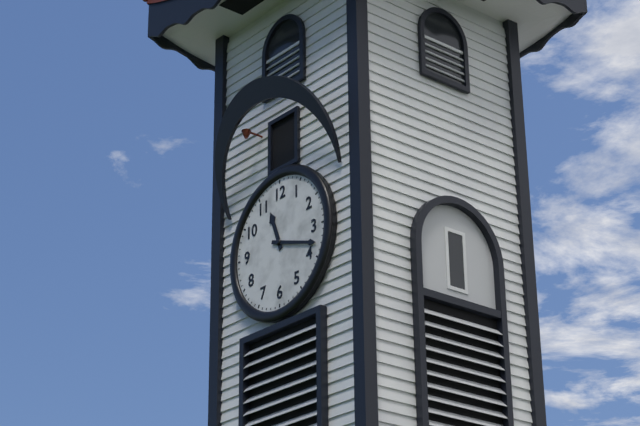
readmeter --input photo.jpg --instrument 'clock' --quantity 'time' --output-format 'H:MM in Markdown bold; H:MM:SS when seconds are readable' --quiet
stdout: **11:18**
